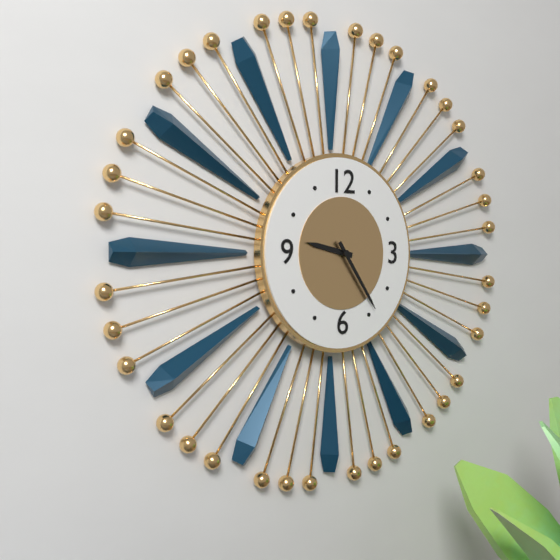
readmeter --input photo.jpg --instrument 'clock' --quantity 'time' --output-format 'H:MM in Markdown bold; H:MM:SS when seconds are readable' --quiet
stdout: **9:24**
